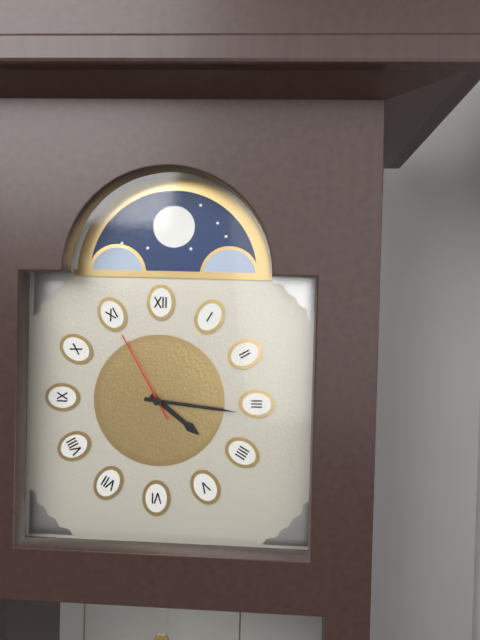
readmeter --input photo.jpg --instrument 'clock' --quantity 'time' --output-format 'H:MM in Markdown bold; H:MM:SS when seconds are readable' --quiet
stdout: **4:16:55**
